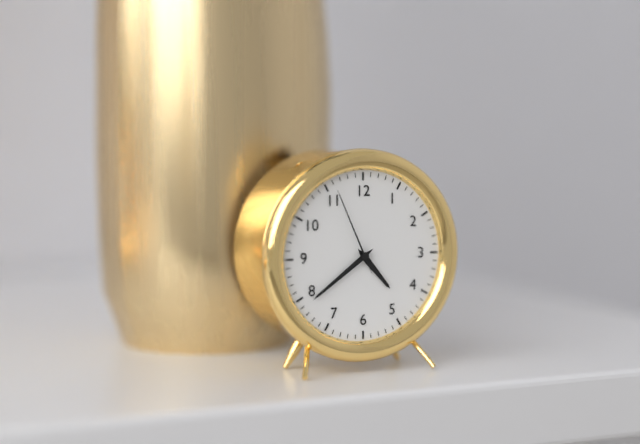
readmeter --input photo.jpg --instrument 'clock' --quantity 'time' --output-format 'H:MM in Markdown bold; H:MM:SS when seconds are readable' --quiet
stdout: **4:39:56**
